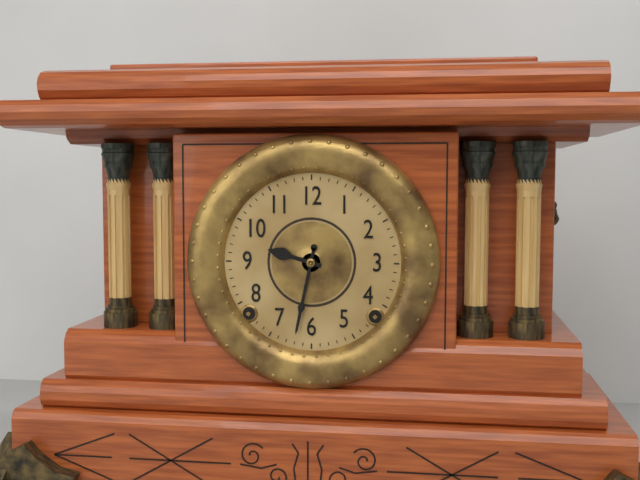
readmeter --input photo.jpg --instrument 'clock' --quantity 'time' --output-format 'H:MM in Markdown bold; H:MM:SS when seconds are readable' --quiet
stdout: **9:32**
